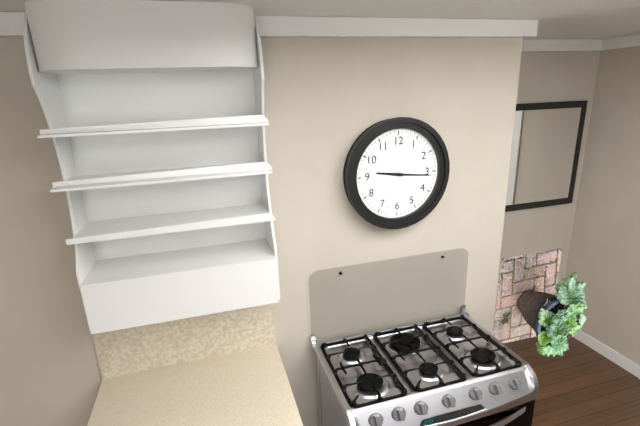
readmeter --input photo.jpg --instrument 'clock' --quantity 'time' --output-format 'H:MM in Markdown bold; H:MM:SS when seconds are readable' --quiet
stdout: **9:16**
